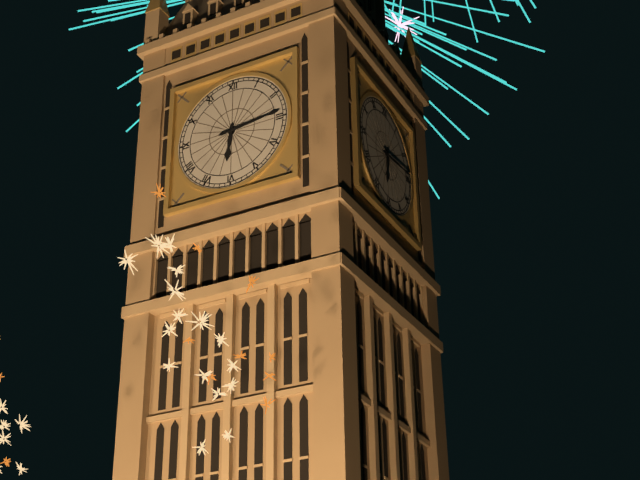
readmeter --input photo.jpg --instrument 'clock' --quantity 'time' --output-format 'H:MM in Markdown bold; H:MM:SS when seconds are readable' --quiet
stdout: **6:14**
